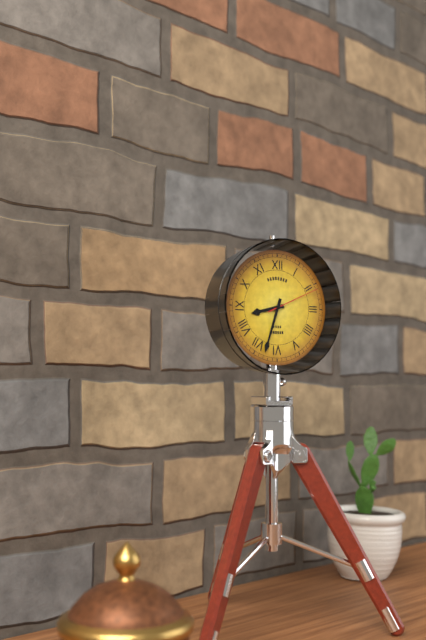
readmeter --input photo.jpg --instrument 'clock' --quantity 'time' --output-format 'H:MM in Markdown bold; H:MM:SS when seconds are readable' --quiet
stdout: **8:33:11**
